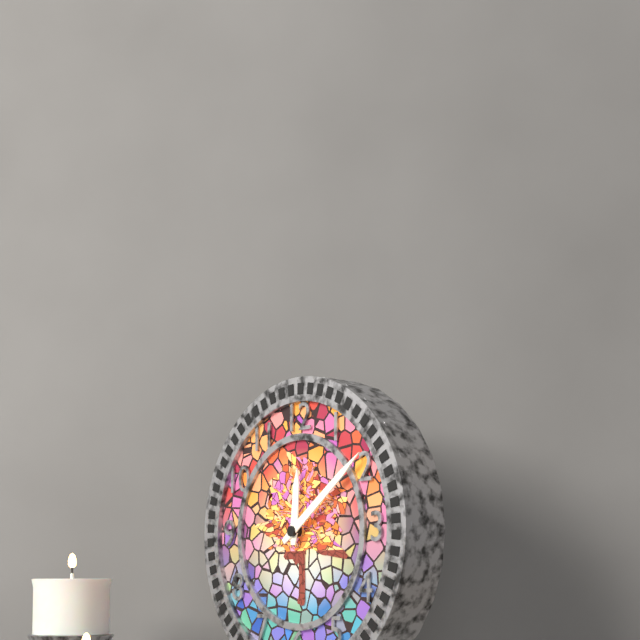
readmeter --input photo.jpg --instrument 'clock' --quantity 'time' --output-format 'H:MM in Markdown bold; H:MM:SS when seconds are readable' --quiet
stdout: **12:09**
